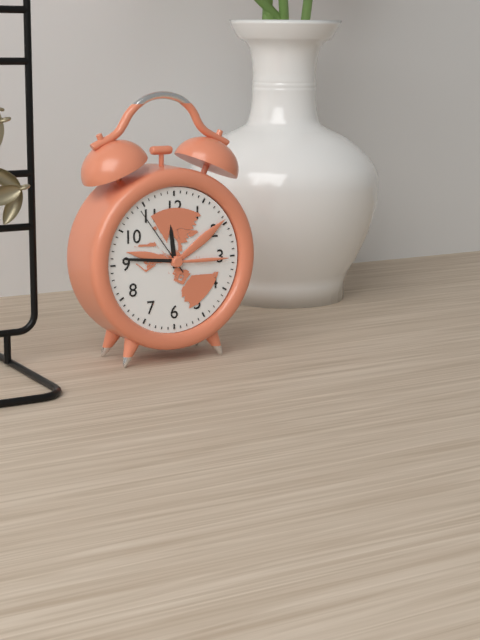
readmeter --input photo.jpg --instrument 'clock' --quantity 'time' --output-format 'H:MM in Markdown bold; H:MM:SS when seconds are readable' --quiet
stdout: **11:46:54**
